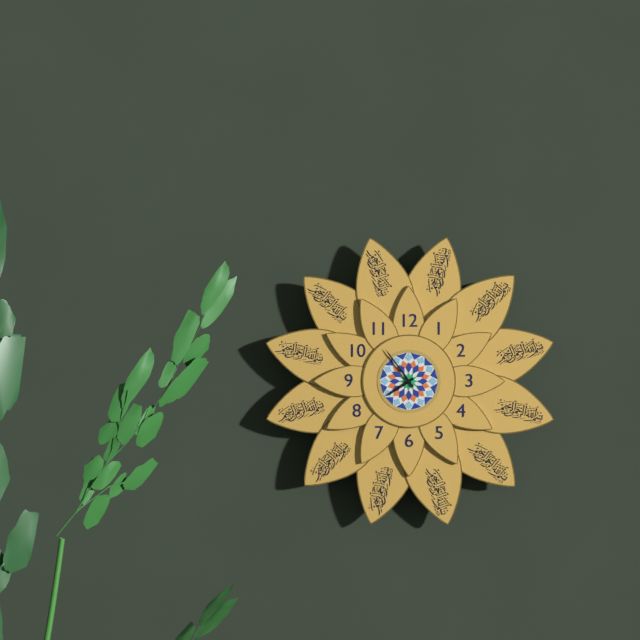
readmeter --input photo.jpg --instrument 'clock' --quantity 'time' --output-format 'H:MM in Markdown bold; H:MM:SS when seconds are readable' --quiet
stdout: **7:54**
